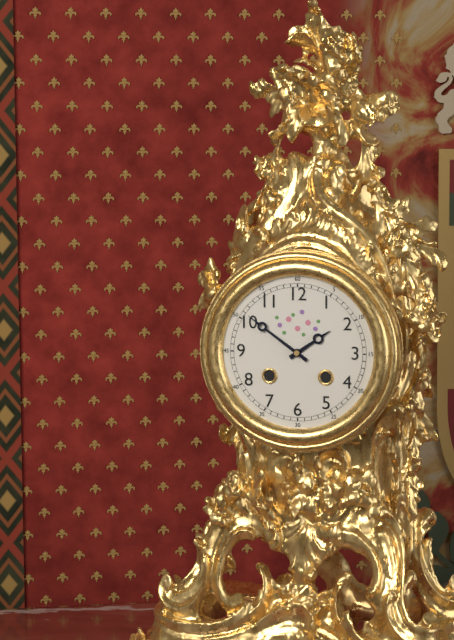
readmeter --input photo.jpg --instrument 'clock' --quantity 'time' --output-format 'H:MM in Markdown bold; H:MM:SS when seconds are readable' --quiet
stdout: **1:51**
